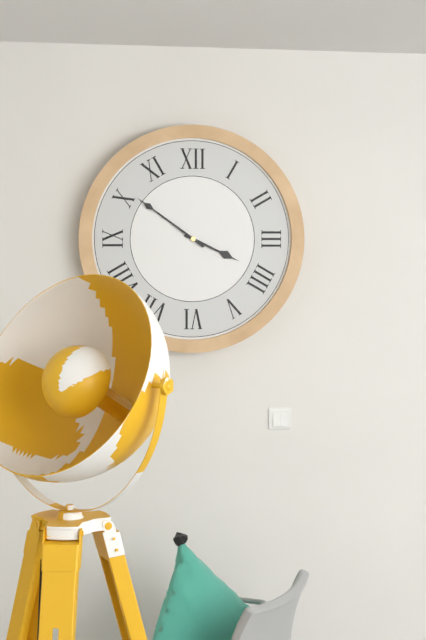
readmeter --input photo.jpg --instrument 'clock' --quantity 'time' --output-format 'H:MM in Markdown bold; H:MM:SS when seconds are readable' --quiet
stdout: **3:51**
